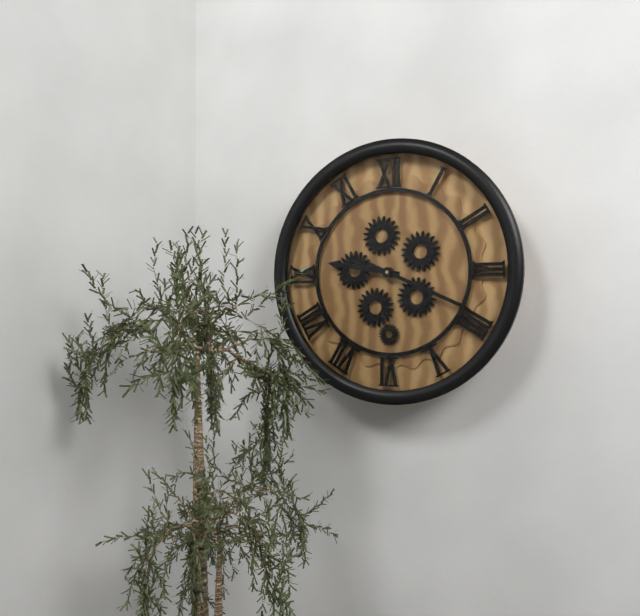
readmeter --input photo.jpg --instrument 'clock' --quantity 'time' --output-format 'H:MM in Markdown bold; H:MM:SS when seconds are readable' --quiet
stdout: **9:19**
